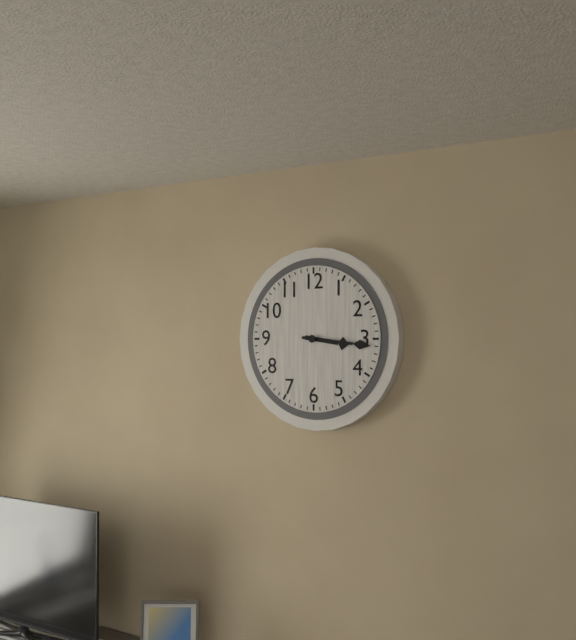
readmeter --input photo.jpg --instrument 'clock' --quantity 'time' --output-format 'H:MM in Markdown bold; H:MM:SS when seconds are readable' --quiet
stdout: **3:16**
